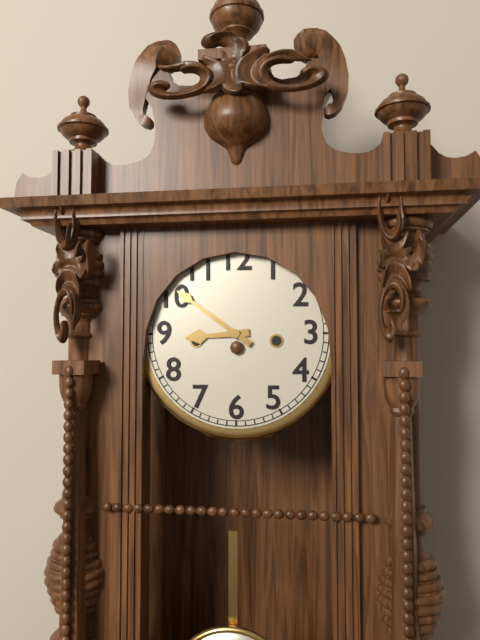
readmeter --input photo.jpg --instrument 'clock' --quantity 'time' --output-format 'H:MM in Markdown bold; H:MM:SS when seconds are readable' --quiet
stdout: **8:51**
